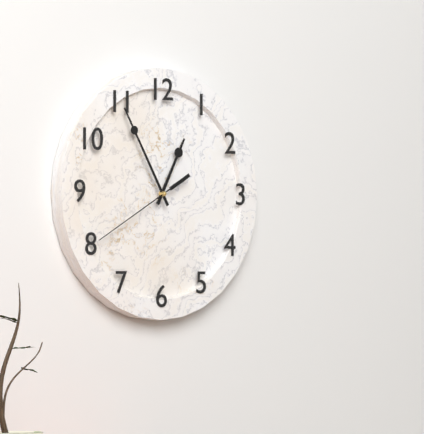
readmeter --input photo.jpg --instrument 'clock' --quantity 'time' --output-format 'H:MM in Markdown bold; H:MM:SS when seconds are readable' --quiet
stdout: **12:55:40**
